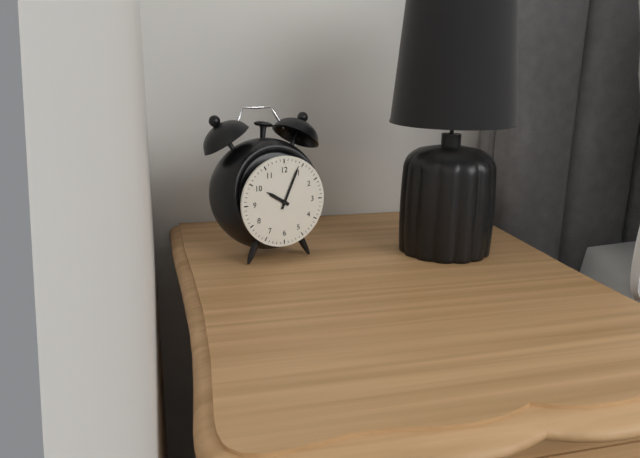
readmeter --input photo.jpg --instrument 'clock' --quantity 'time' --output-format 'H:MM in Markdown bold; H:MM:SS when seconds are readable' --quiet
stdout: **10:04**
